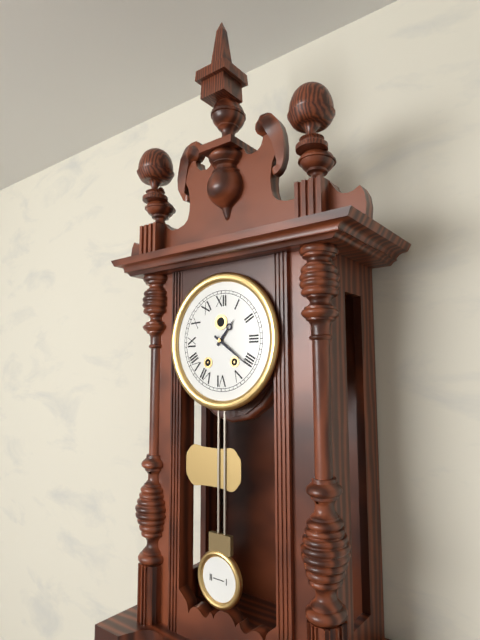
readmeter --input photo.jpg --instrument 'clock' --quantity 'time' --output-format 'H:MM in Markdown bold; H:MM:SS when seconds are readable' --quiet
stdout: **1:21**
